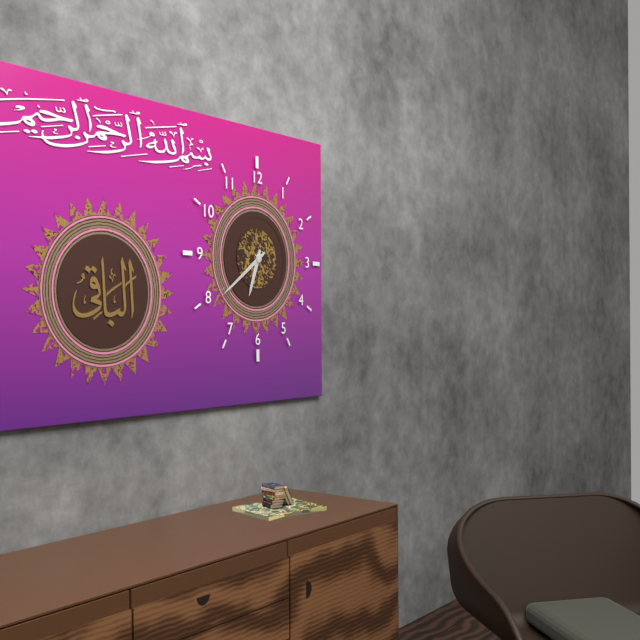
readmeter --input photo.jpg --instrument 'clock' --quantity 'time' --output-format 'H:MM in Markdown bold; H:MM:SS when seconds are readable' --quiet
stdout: **6:39**
